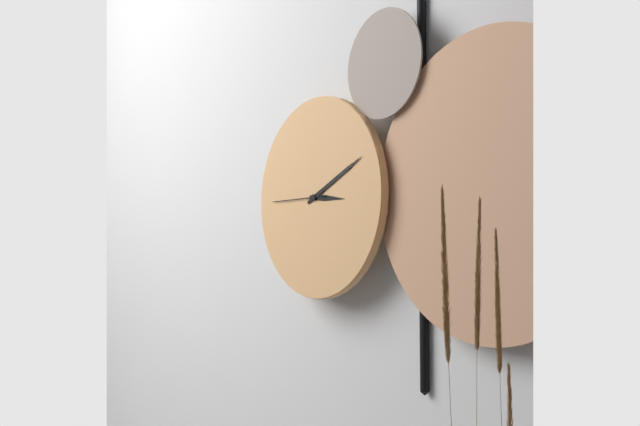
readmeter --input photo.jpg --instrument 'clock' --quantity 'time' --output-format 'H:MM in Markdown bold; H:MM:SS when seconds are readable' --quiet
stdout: **3:11:45**
